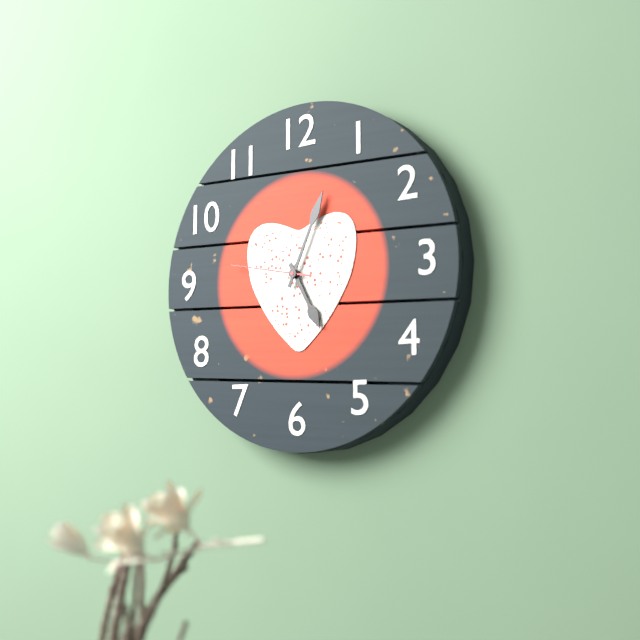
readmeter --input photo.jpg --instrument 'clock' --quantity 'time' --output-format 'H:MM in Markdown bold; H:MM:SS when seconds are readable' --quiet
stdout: **5:04:47**
